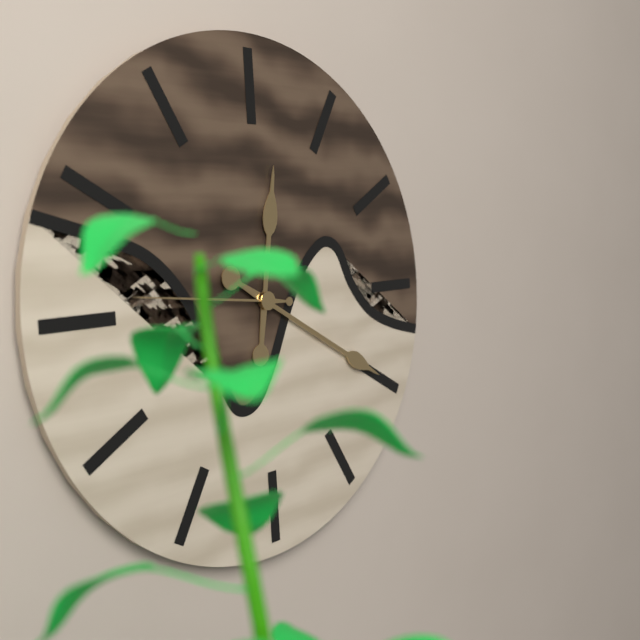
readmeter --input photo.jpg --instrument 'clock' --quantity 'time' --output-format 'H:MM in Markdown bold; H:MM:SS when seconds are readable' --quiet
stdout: **12:20:46**
